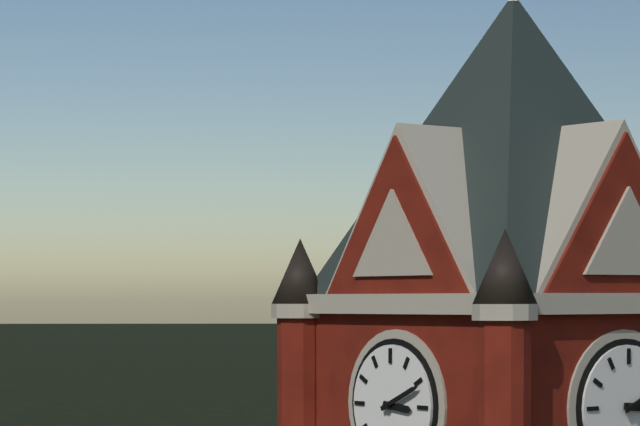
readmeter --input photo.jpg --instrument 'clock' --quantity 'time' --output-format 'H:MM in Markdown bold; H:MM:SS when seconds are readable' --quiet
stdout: **3:11**
